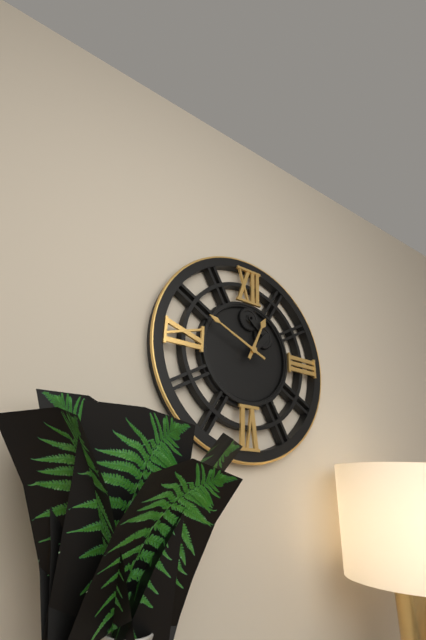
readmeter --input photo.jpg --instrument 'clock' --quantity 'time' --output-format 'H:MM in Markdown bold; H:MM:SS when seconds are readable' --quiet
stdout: **12:49**
